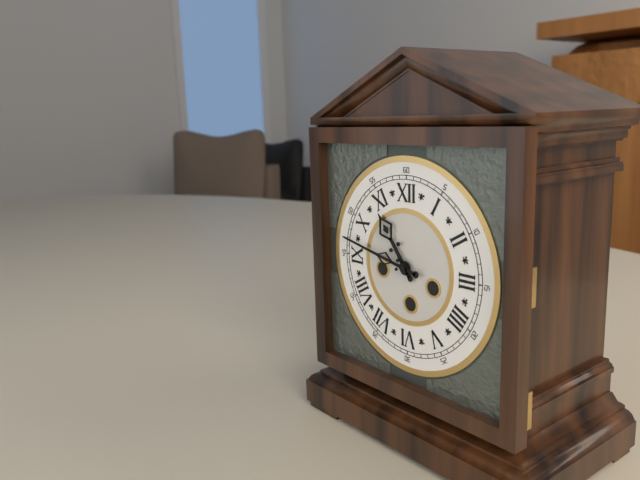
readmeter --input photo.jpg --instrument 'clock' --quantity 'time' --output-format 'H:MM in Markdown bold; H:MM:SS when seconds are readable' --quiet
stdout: **10:47**
